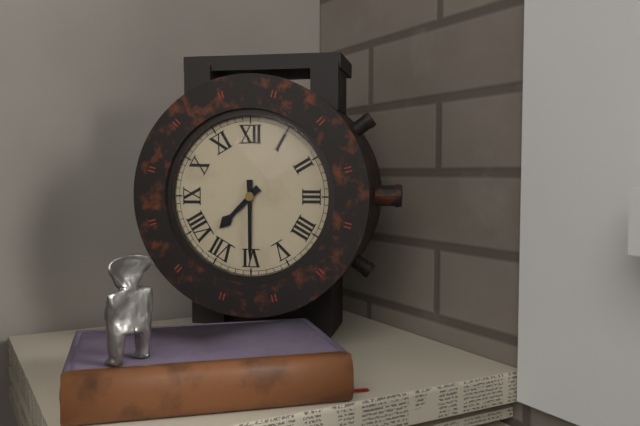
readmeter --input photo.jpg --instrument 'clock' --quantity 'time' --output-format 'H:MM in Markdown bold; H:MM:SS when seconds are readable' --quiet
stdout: **7:30**
